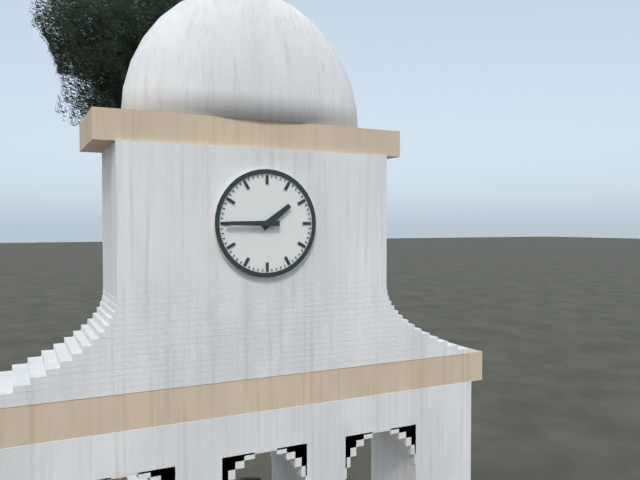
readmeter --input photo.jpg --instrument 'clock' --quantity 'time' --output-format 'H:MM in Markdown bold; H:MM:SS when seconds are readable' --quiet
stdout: **1:45**
